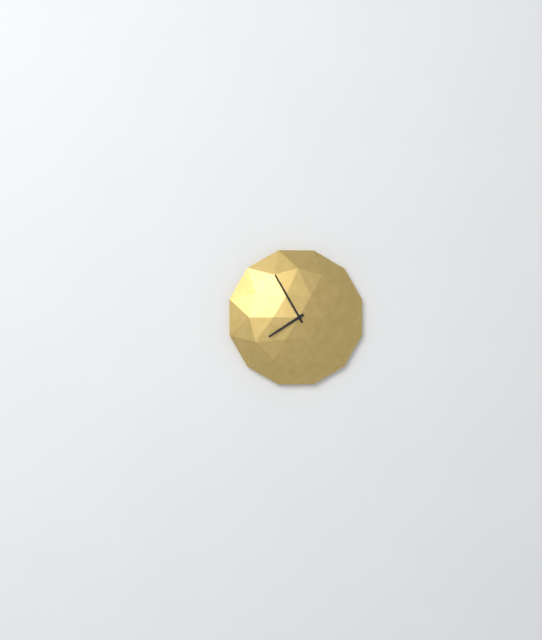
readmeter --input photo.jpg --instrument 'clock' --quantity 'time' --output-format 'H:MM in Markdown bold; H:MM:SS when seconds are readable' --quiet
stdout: **7:55**
